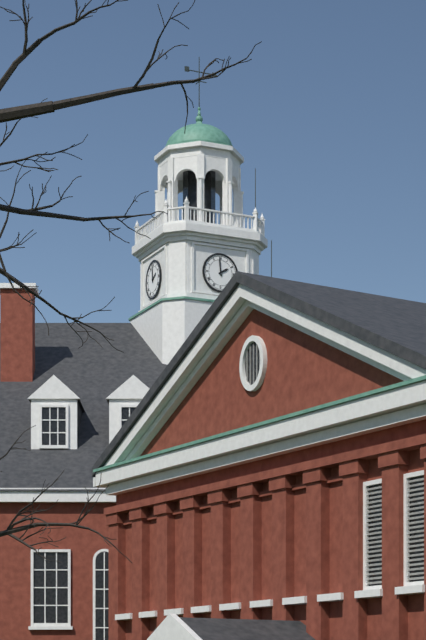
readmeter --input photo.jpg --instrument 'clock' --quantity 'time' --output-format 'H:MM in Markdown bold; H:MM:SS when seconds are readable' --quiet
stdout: **1:59**
